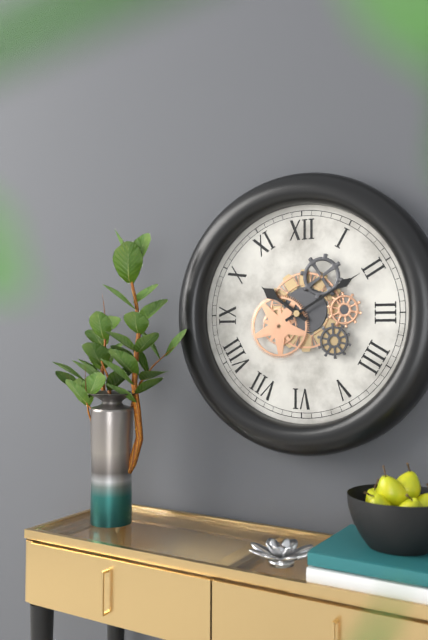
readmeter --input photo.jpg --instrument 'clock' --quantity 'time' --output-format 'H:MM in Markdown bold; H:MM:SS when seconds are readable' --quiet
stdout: **10:10**
